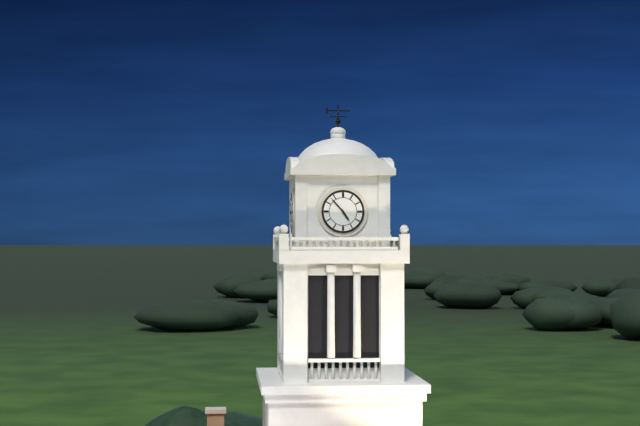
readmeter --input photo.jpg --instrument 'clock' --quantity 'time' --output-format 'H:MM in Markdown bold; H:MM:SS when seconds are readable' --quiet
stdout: **4:53**
